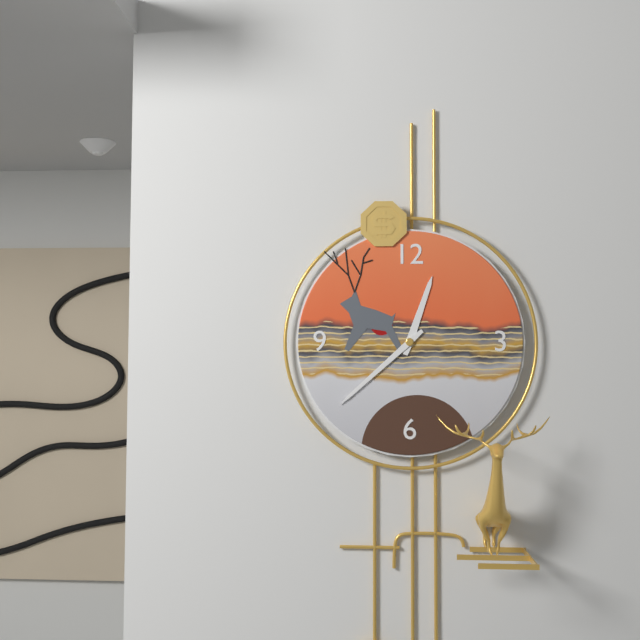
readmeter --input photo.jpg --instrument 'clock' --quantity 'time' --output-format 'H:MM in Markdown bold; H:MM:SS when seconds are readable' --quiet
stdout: **12:38**
